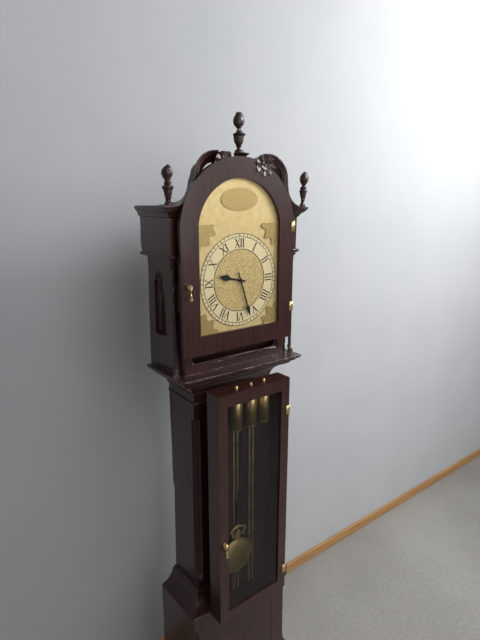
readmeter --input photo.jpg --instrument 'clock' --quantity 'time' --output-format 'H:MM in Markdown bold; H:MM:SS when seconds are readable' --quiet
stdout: **9:27**
